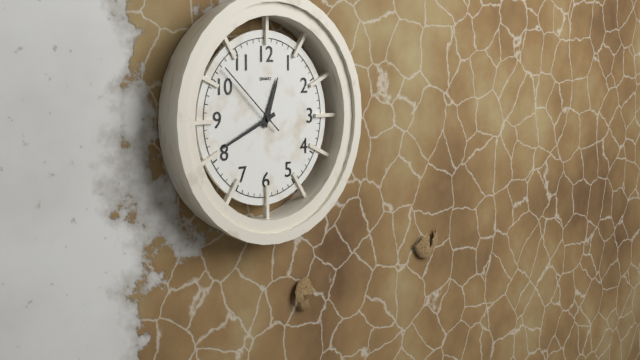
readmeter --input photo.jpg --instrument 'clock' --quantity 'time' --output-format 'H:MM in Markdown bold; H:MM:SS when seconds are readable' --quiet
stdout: **12:41:52**
